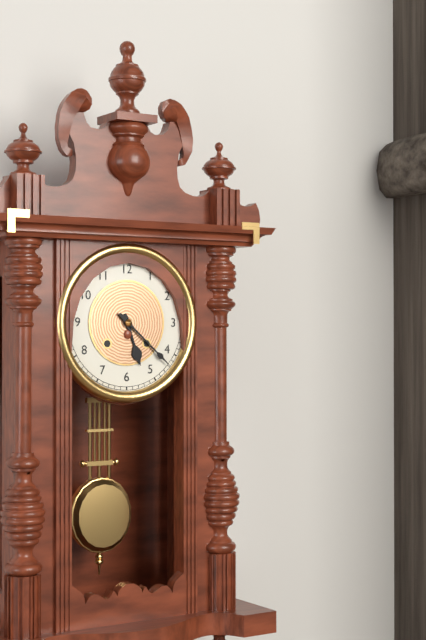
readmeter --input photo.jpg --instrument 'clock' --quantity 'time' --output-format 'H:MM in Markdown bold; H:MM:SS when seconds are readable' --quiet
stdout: **5:22**
